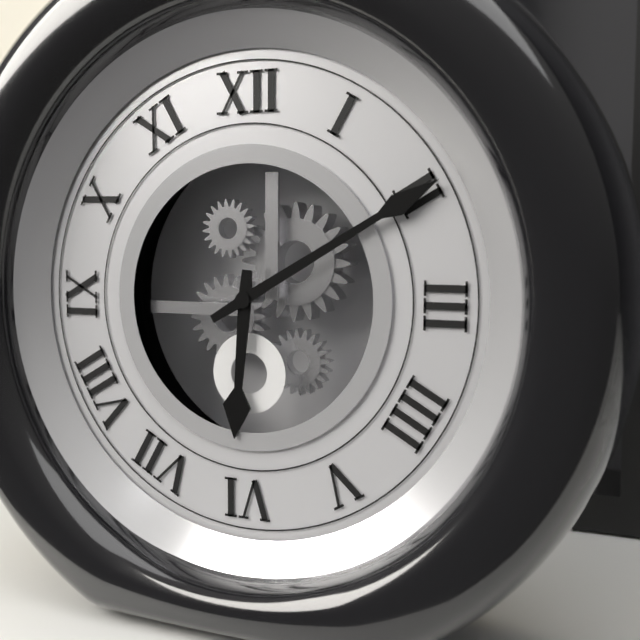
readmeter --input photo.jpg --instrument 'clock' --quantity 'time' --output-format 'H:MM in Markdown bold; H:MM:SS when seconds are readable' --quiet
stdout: **6:10**
